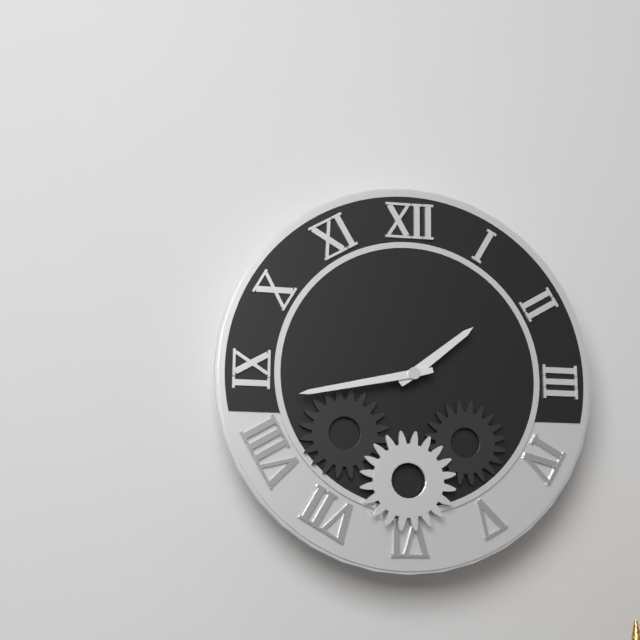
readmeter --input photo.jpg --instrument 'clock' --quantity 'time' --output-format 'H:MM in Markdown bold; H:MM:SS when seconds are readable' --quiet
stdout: **1:43**
